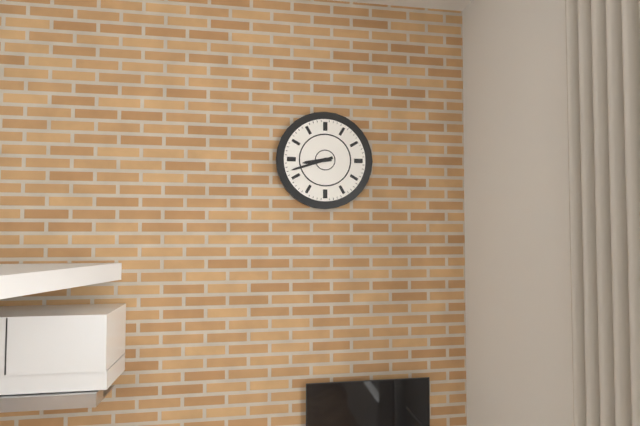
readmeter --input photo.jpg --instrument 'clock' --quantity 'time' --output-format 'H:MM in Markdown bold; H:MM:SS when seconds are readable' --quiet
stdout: **8:42**
